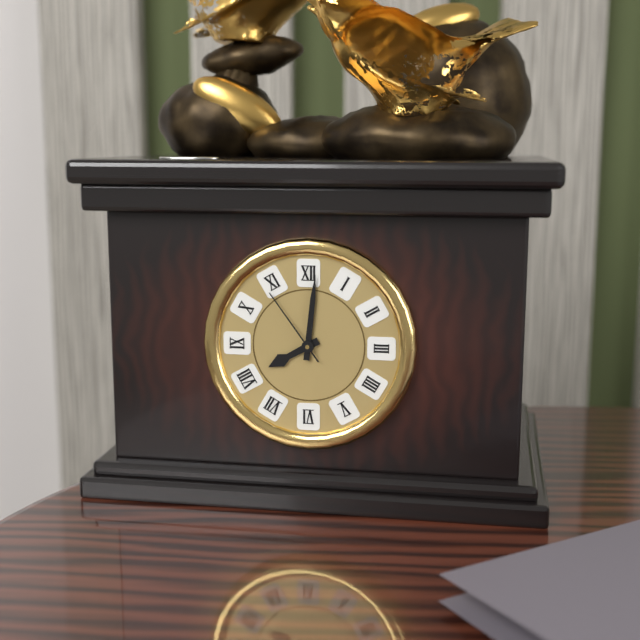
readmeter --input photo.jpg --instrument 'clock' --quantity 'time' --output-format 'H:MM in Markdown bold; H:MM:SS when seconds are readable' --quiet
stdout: **8:01:54**
